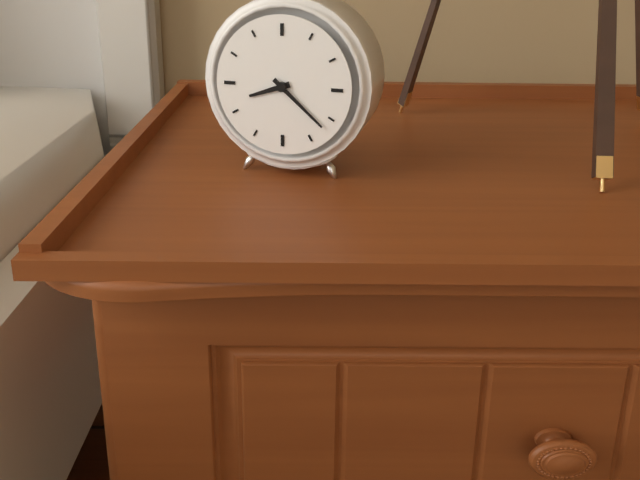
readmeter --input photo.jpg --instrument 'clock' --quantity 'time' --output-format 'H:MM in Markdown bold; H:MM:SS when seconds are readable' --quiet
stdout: **8:22**
